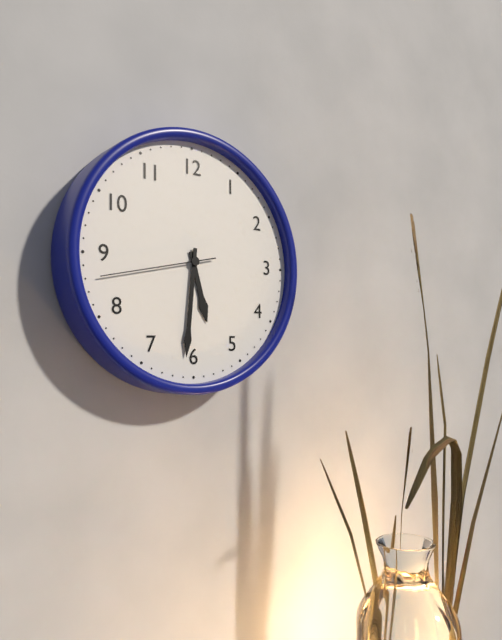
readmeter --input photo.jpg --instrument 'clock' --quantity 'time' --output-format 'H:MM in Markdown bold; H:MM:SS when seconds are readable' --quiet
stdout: **5:31:43**
